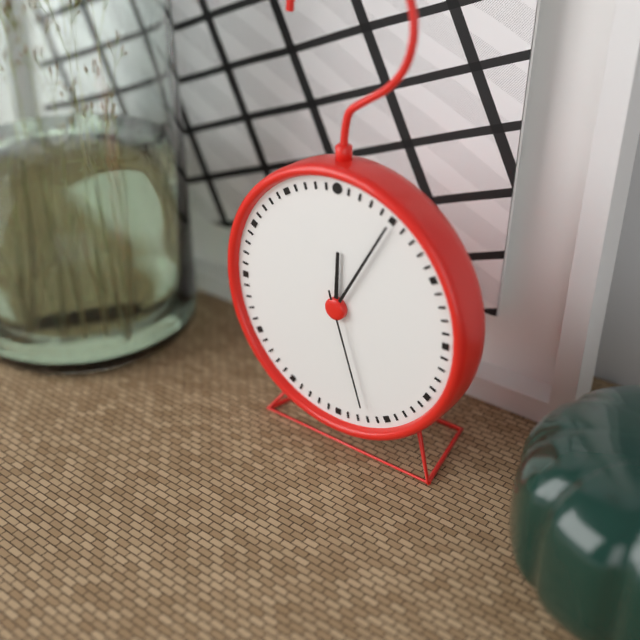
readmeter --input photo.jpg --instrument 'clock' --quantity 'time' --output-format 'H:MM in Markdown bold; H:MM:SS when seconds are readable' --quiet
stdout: **12:05:27**
